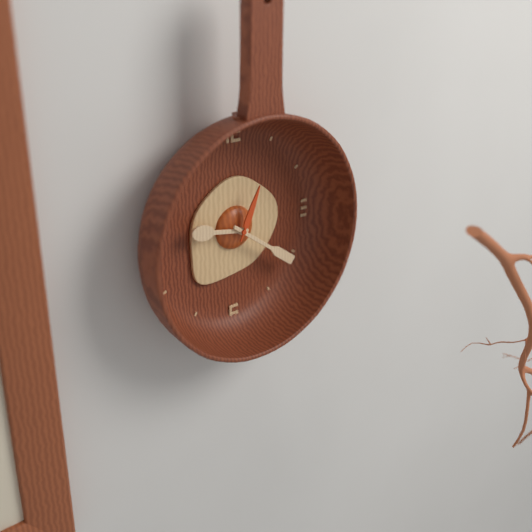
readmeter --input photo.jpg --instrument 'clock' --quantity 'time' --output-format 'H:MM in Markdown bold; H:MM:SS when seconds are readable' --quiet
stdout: **9:21:04**
